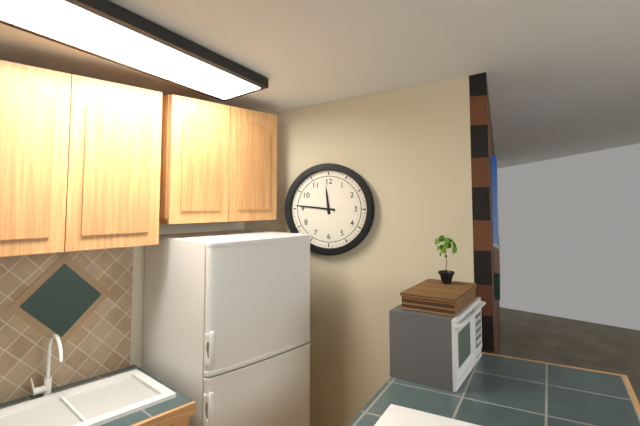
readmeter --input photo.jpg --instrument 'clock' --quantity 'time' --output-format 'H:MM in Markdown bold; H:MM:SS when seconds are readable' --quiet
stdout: **11:46**
